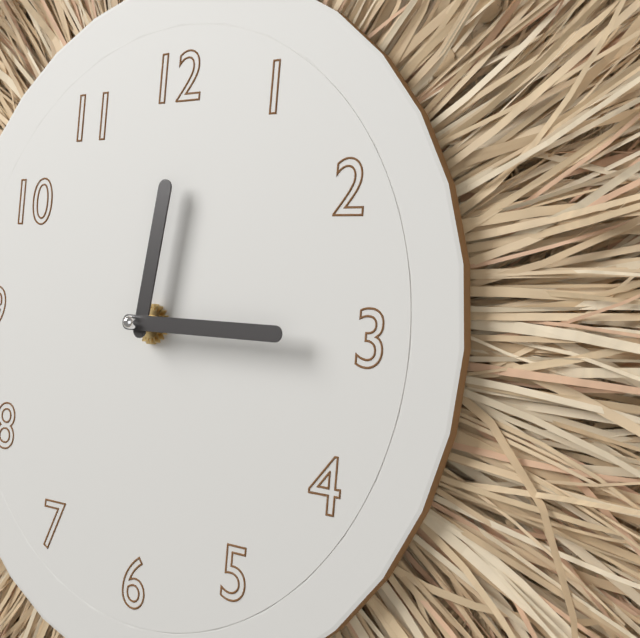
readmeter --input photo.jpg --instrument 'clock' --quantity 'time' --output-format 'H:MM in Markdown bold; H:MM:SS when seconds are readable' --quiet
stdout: **12:15**
